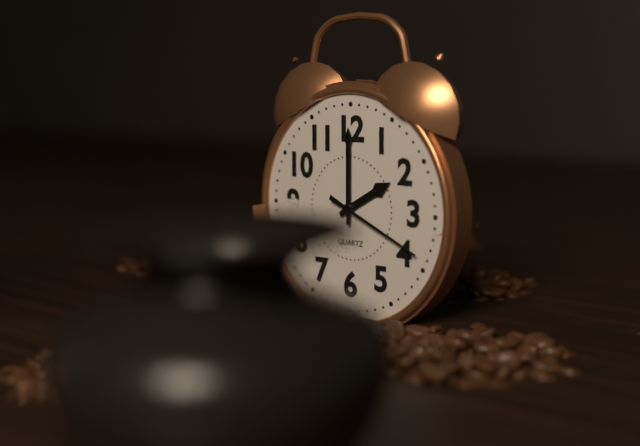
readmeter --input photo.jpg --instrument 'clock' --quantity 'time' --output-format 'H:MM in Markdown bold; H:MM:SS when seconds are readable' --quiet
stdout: **2:00:19**
